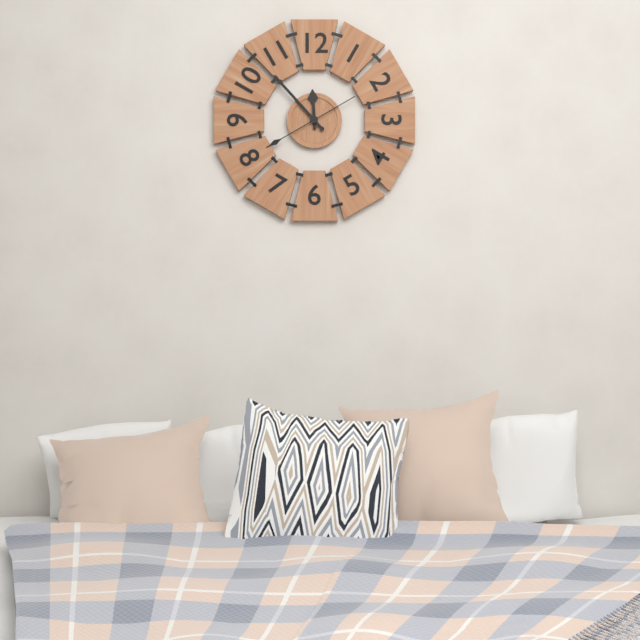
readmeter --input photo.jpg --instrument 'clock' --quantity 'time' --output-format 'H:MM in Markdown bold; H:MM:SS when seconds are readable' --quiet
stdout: **11:53:40**
